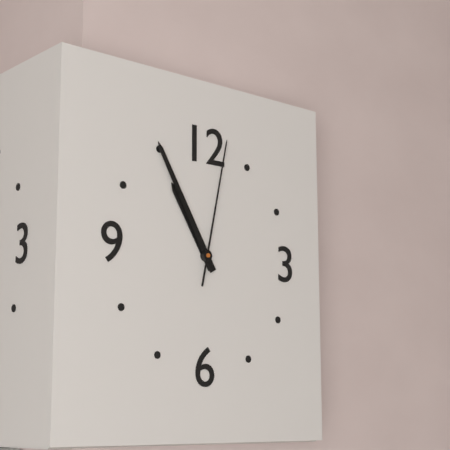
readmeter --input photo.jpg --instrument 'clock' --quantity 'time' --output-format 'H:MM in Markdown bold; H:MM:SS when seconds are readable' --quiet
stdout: **10:55:02**
